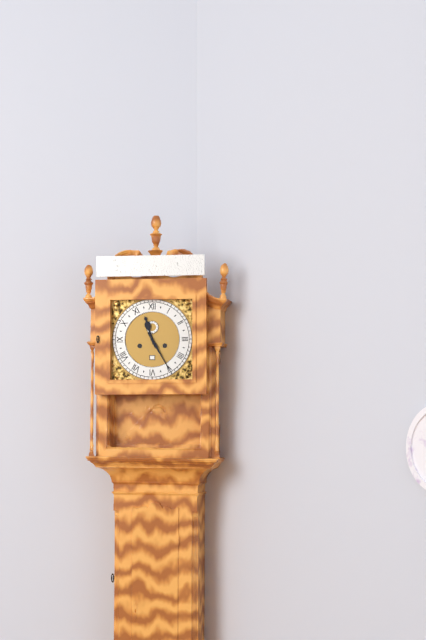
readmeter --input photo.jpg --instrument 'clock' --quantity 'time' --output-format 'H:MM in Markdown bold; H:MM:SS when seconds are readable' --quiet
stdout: **11:25**
